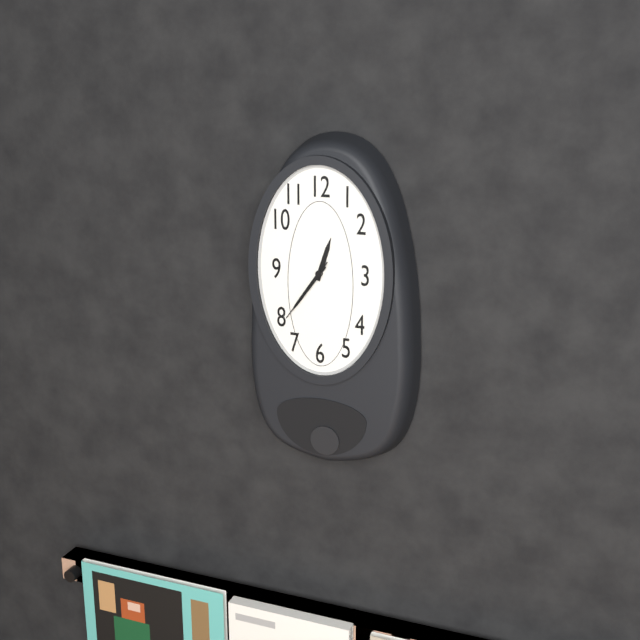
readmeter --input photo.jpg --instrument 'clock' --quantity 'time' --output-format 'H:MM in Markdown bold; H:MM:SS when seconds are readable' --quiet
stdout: **12:36:36**
